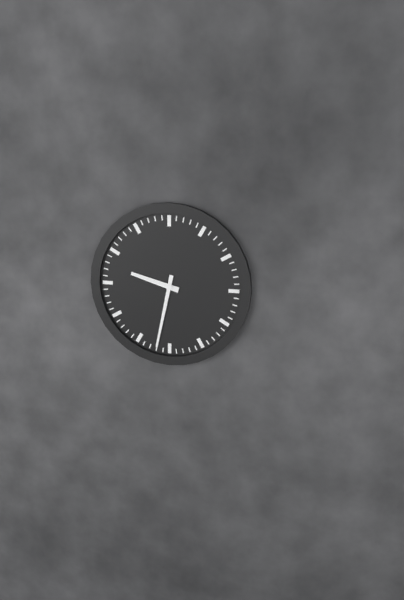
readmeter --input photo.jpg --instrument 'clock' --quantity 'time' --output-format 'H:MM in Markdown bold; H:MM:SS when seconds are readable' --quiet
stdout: **9:32**
